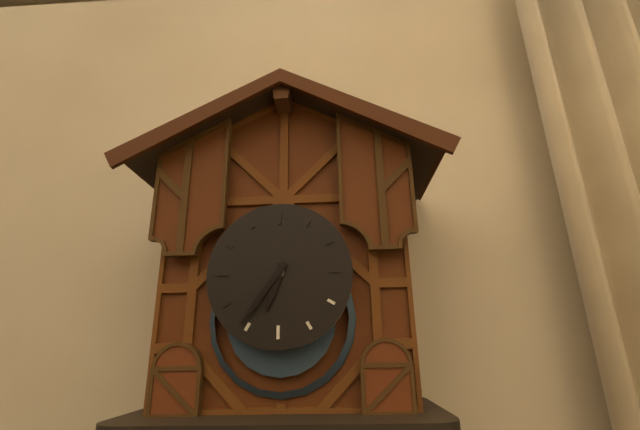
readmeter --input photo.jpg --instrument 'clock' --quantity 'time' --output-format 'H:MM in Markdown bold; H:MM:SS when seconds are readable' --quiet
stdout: **6:36**
